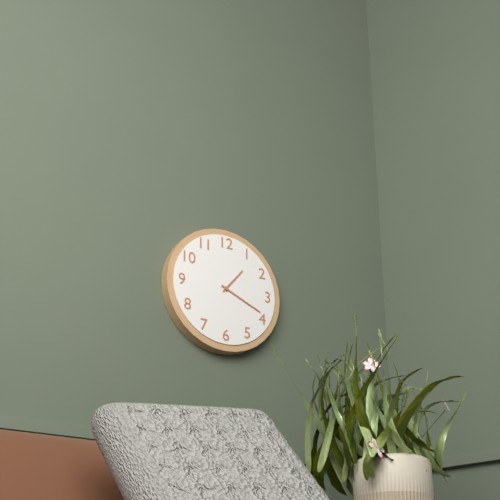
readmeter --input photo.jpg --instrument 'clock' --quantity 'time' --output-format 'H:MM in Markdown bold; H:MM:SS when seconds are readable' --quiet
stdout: **1:19**
